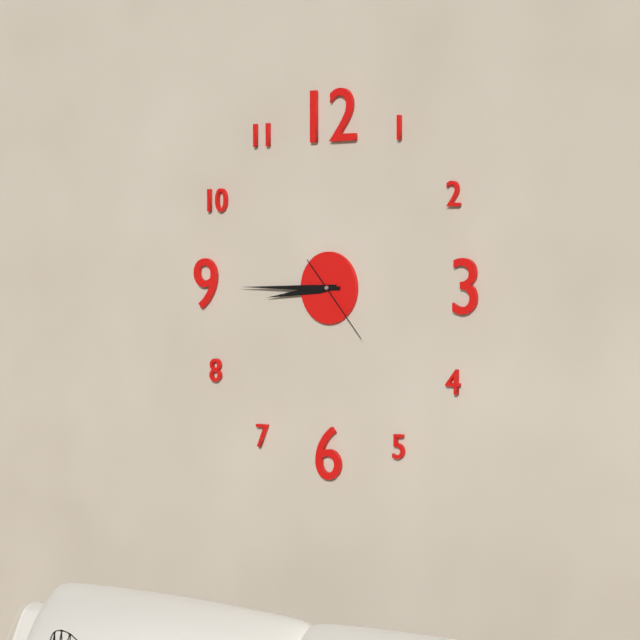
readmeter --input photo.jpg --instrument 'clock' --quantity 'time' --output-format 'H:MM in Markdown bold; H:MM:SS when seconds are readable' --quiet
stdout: **8:45:23**
